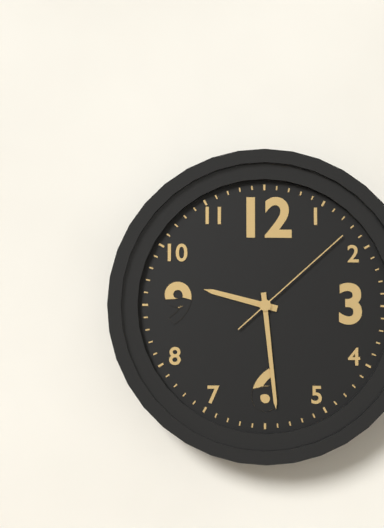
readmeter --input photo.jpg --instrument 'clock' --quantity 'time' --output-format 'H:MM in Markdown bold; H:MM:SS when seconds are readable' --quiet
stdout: **9:29:08**
